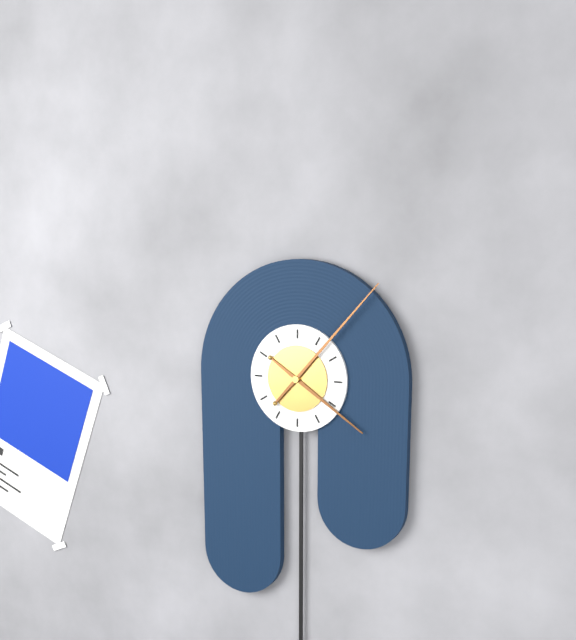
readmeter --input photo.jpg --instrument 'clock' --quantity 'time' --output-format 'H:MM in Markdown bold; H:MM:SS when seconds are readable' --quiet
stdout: **4:07**
